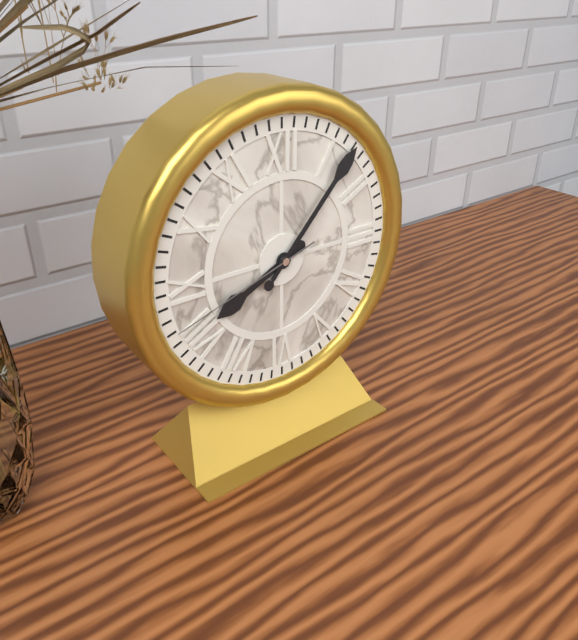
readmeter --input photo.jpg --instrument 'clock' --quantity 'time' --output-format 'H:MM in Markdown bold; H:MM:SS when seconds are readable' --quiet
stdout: **8:07:42**
